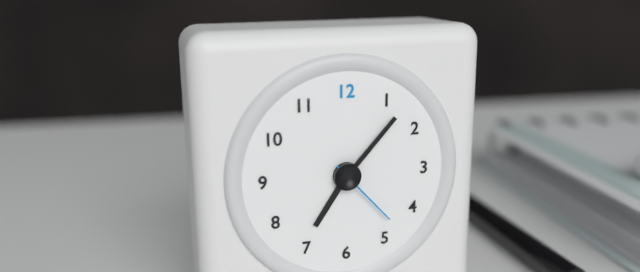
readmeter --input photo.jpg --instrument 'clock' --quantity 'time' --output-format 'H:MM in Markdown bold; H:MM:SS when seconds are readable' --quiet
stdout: **7:07:23**
